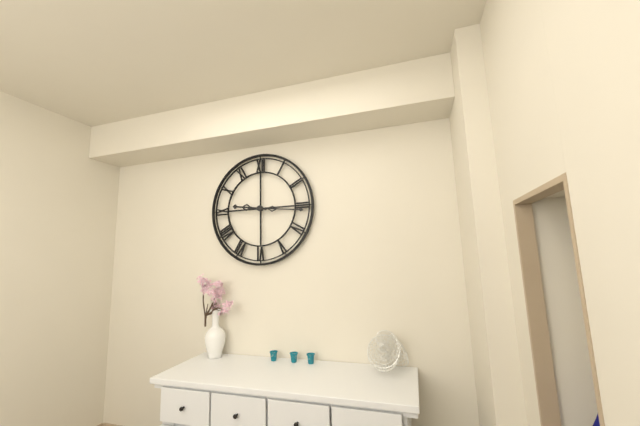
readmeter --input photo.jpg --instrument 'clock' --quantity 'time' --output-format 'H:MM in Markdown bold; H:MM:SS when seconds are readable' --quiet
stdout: **9:16**
